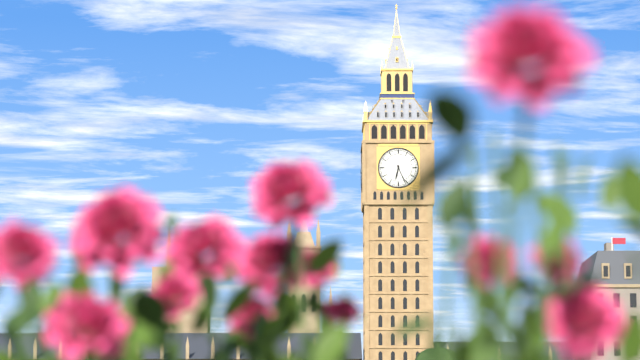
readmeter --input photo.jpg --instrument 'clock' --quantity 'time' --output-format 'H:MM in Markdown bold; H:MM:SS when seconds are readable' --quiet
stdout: **6:26**
